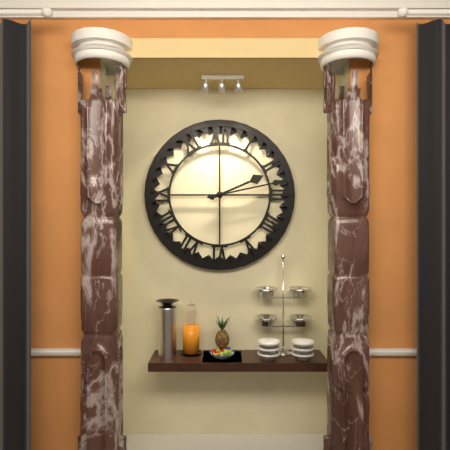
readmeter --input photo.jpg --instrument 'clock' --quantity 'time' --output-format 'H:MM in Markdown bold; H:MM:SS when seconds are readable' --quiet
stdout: **2:13**
